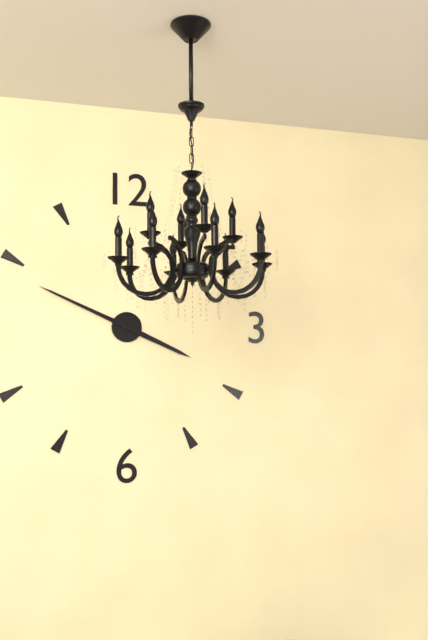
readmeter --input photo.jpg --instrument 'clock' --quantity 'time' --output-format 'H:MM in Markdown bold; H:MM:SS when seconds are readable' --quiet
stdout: **3:49**
